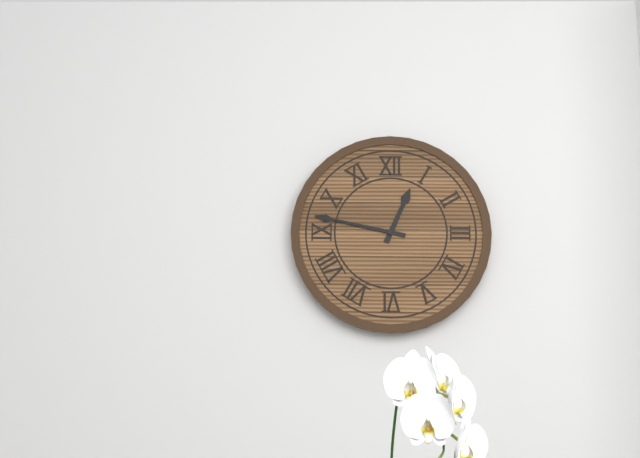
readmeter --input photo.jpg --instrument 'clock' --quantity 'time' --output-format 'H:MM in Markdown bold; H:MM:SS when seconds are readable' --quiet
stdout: **12:47**
